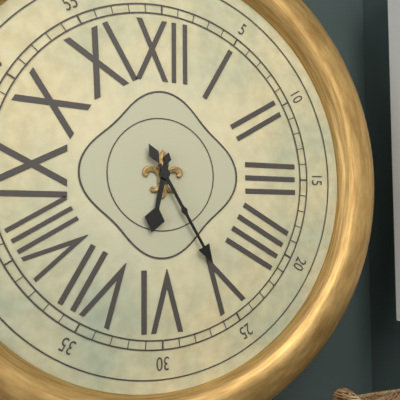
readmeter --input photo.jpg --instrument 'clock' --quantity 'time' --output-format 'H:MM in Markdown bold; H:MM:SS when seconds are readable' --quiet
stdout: **6:25**
